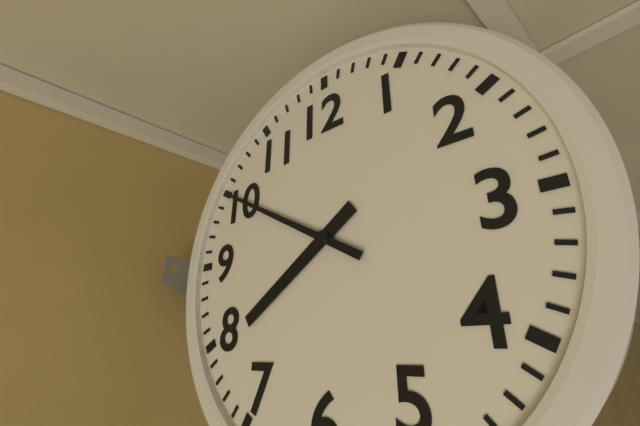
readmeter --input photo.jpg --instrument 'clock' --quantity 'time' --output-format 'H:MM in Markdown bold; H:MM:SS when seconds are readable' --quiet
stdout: **7:50**
